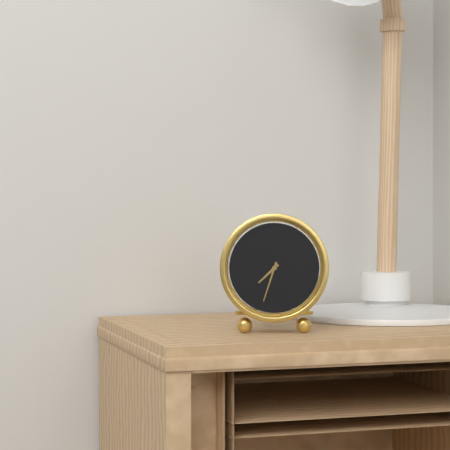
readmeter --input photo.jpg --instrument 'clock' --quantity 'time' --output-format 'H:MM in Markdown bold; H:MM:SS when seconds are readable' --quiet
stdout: **7:33**
